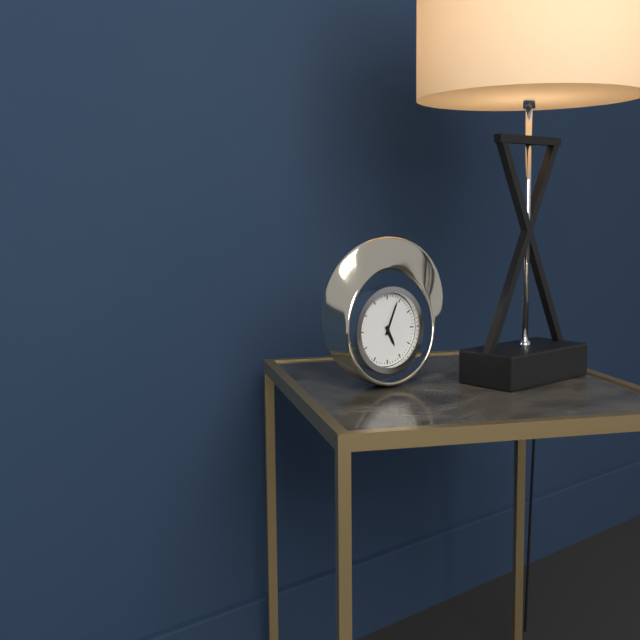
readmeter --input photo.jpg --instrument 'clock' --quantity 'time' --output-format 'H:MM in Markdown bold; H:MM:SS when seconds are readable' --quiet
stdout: **5:04**
